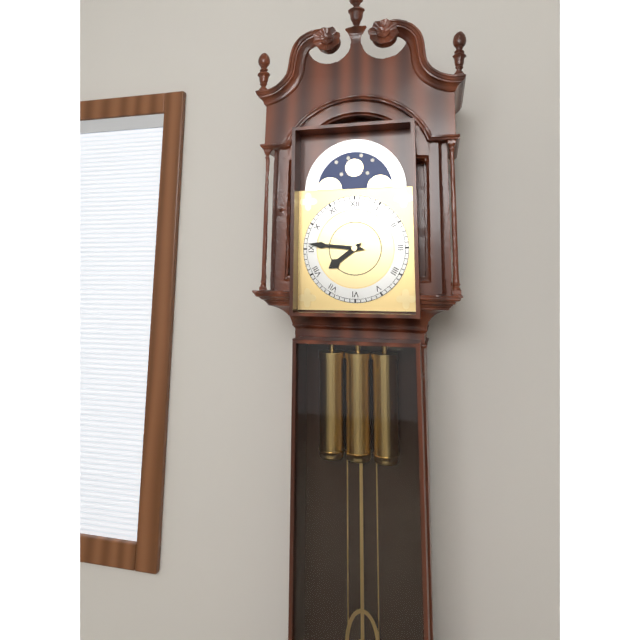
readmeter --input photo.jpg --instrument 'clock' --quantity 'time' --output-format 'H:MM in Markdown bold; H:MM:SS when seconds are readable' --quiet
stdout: **7:46**
